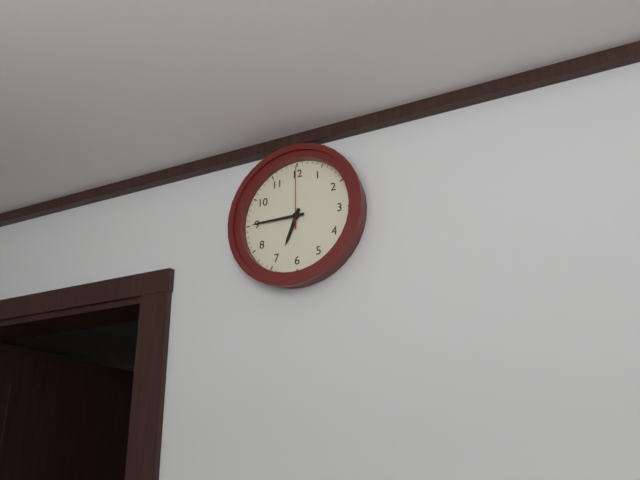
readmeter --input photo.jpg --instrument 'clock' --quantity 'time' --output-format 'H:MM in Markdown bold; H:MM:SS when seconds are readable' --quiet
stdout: **6:45:00**
